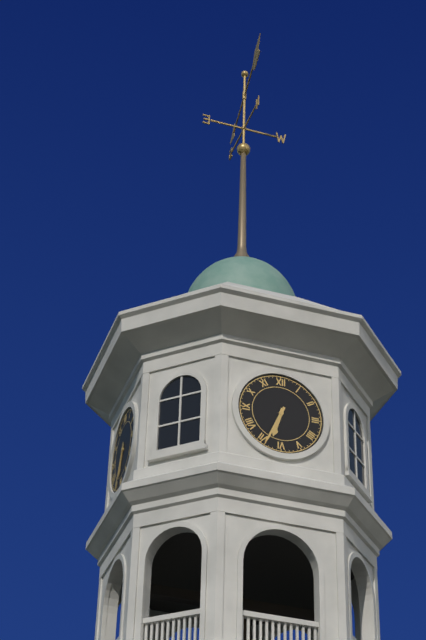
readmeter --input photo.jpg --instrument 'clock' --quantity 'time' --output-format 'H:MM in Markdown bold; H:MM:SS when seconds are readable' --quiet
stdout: **6:34**
